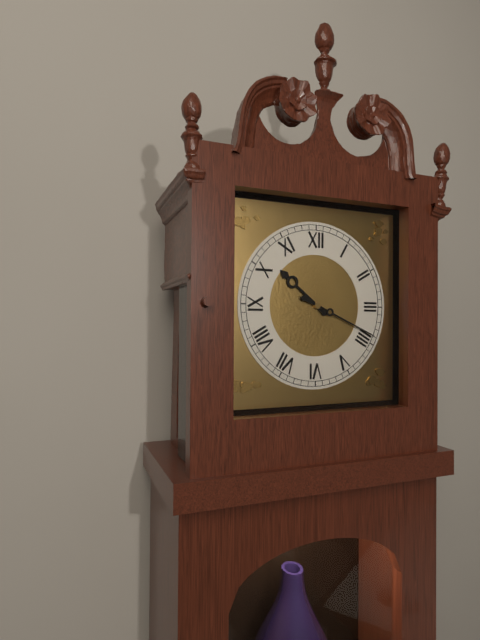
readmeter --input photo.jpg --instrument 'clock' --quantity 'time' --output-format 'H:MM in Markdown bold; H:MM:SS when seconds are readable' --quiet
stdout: **10:19**
